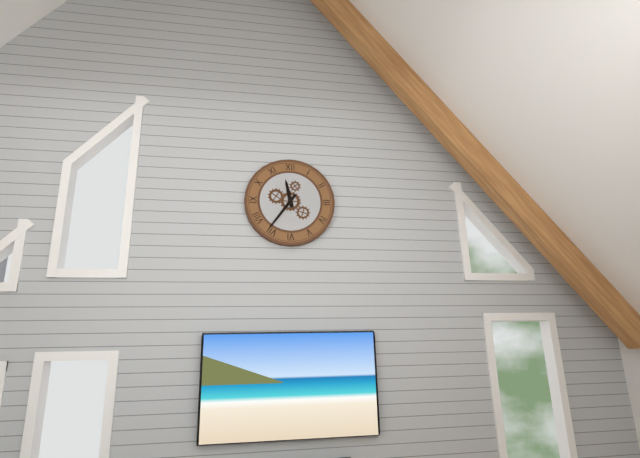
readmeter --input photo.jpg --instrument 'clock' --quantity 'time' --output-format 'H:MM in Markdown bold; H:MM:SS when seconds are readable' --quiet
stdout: **11:36**
